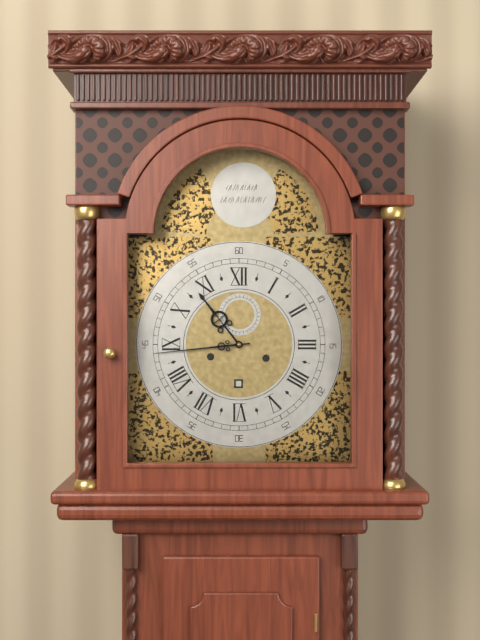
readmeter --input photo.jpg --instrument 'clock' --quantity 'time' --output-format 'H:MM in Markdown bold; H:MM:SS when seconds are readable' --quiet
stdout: **10:44**
